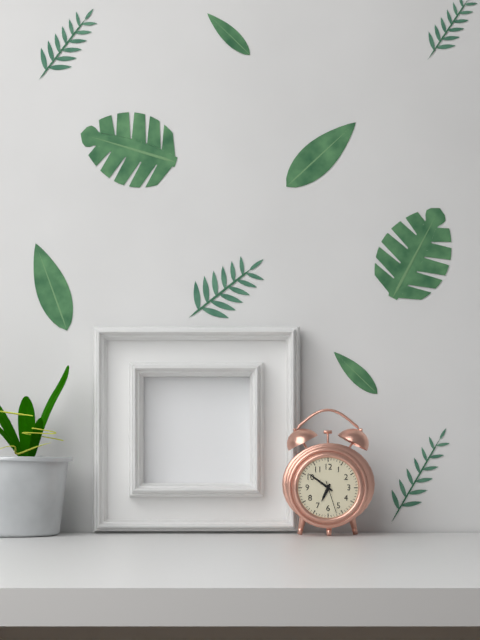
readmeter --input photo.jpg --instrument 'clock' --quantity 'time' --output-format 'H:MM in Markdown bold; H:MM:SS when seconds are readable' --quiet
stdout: **6:51**
